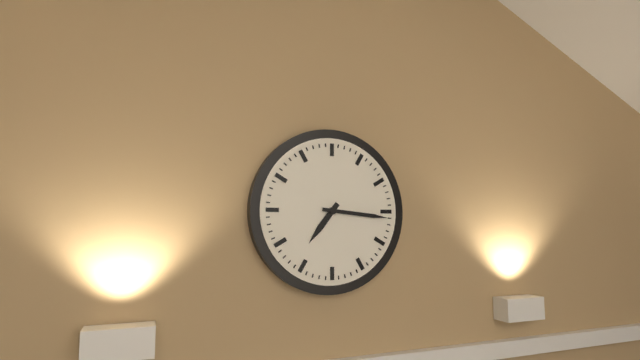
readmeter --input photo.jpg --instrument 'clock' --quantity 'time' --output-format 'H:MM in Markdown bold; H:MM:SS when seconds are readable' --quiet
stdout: **7:16**
